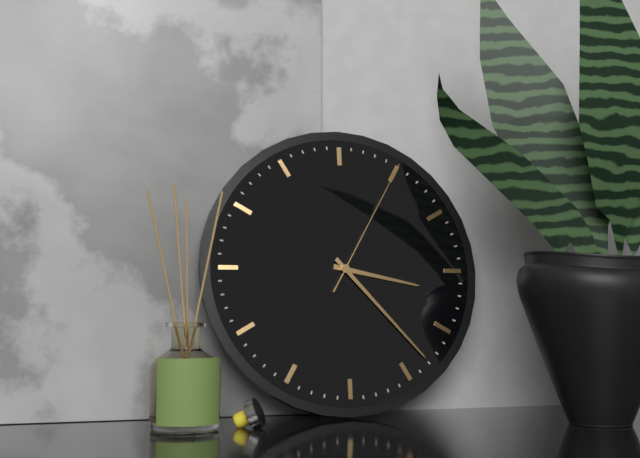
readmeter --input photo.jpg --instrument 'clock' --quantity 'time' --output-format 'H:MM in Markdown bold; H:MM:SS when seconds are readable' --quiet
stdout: **3:23:05**
